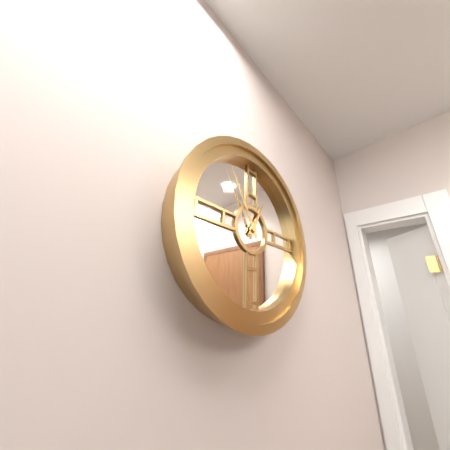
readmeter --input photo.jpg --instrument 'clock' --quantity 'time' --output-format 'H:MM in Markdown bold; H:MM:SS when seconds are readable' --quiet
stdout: **12:55**
